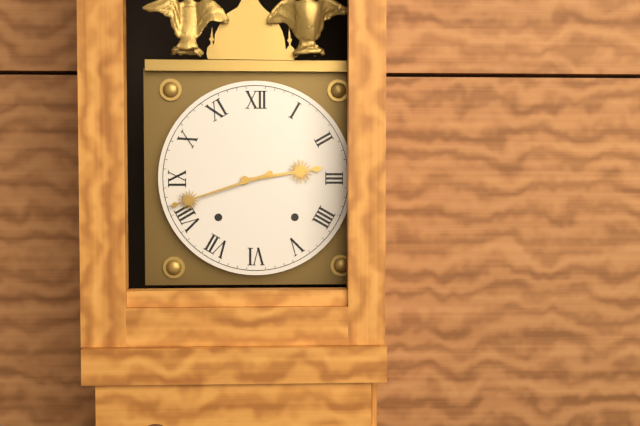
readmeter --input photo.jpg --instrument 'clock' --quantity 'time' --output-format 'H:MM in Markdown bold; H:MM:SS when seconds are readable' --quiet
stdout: **2:42**
